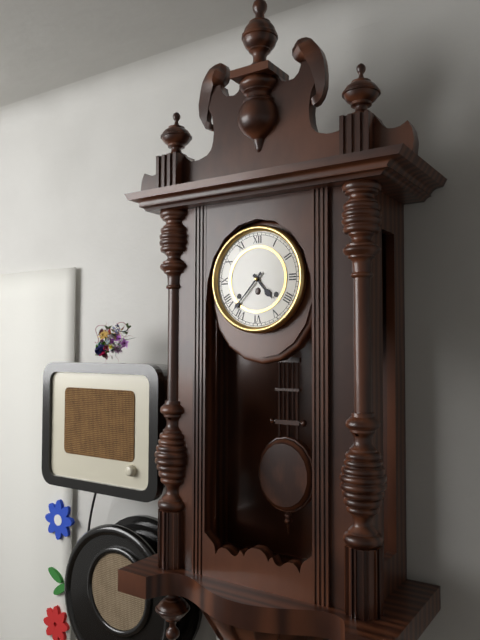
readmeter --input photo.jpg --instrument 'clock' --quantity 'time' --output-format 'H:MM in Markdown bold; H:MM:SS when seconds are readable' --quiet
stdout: **4:37**
